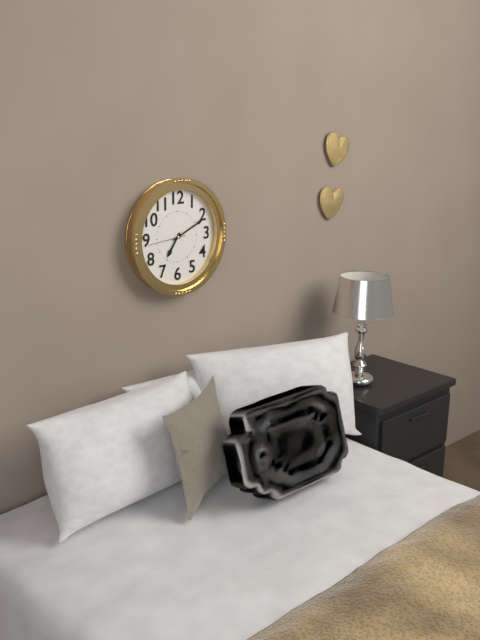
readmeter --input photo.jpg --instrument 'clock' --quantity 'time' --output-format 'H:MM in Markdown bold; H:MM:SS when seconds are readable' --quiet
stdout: **7:11**
